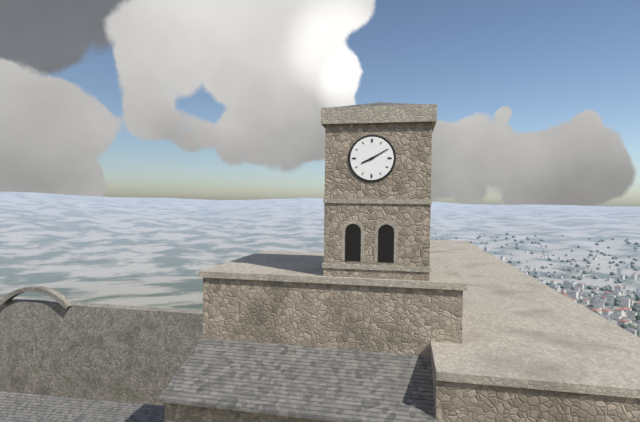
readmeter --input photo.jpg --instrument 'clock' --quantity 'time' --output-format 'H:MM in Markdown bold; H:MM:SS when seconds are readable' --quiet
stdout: **8:10**
